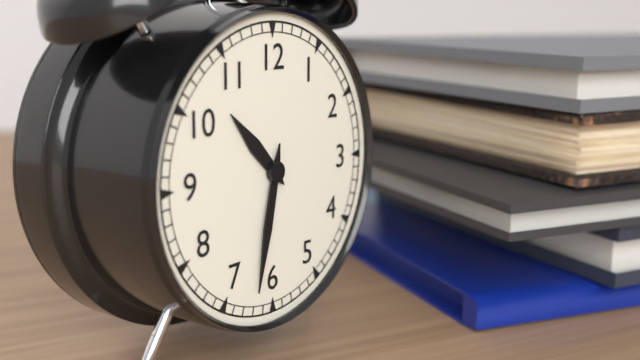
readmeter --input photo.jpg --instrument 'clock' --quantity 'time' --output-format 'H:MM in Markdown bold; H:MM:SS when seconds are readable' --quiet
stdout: **10:32**
